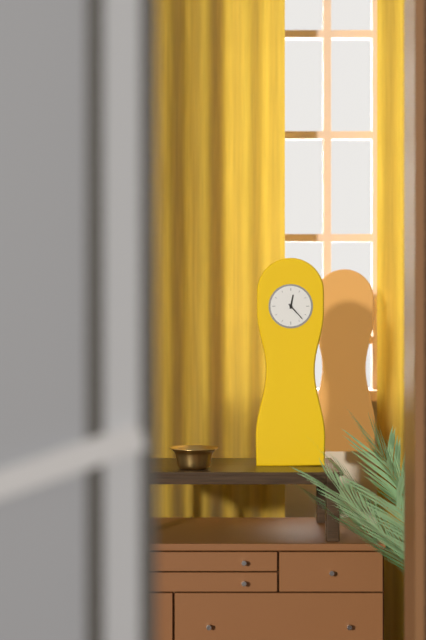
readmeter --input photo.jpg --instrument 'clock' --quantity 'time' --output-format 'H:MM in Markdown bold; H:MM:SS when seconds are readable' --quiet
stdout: **12:23**
